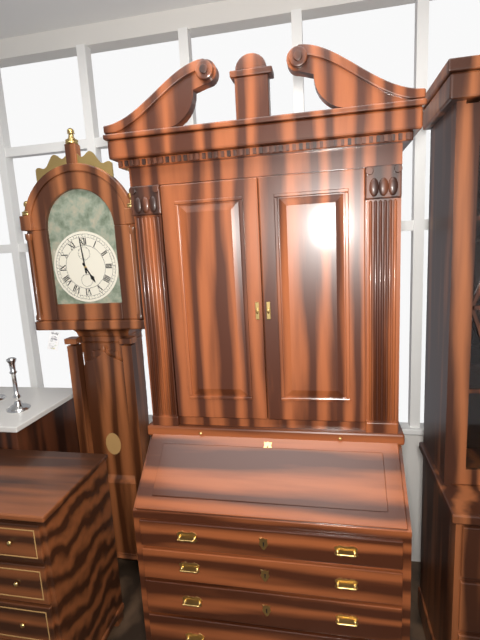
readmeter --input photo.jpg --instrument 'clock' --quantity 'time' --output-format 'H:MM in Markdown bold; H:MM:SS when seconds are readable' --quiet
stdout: **4:59**
